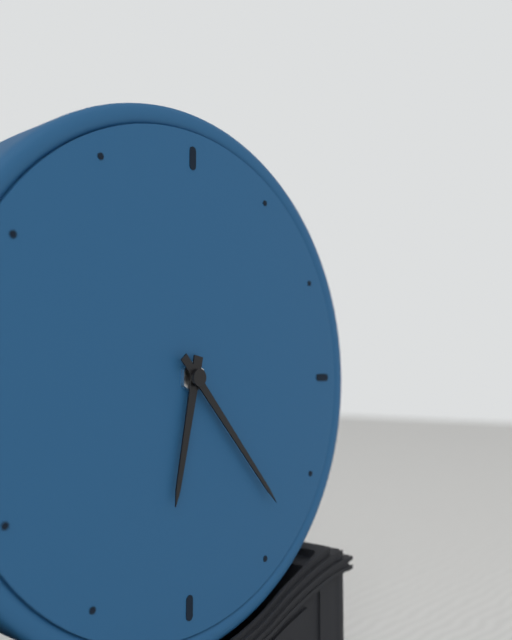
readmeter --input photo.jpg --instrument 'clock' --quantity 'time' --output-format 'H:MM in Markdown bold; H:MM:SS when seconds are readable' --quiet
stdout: **6:23**
